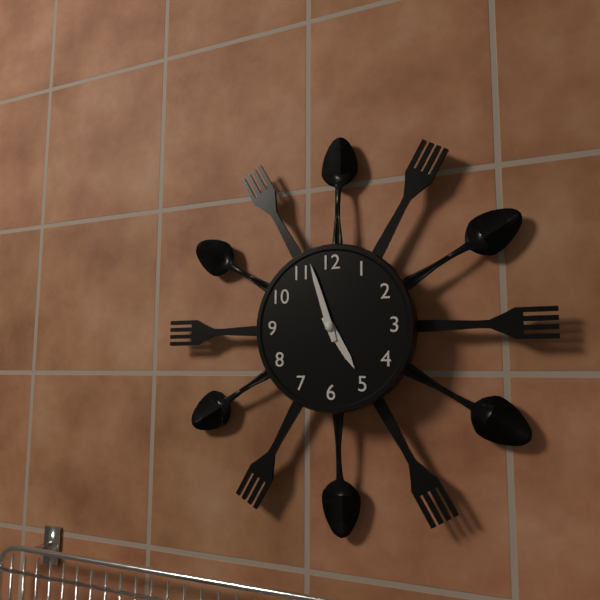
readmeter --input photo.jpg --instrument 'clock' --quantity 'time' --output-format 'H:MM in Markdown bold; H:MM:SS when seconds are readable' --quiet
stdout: **4:57**
